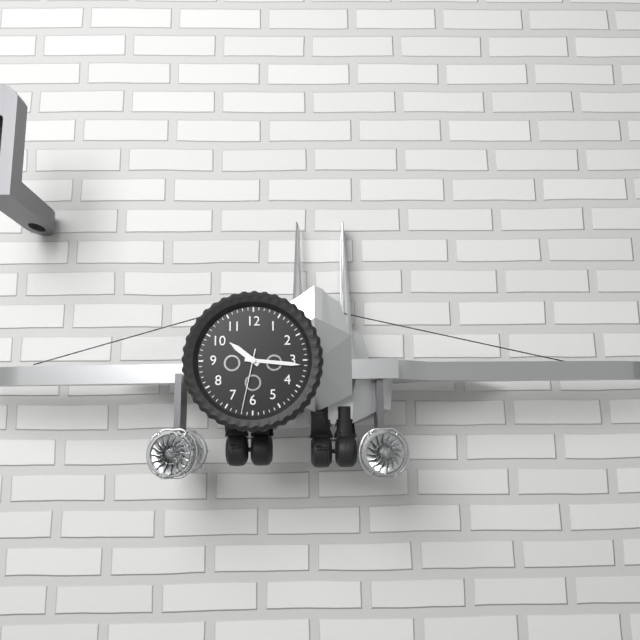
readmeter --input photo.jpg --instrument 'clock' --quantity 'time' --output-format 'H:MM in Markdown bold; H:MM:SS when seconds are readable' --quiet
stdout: **10:16:32**
